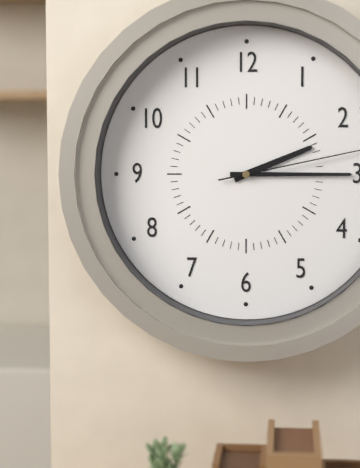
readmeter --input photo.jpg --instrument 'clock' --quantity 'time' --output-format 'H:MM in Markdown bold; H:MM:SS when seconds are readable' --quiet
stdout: **2:15**
